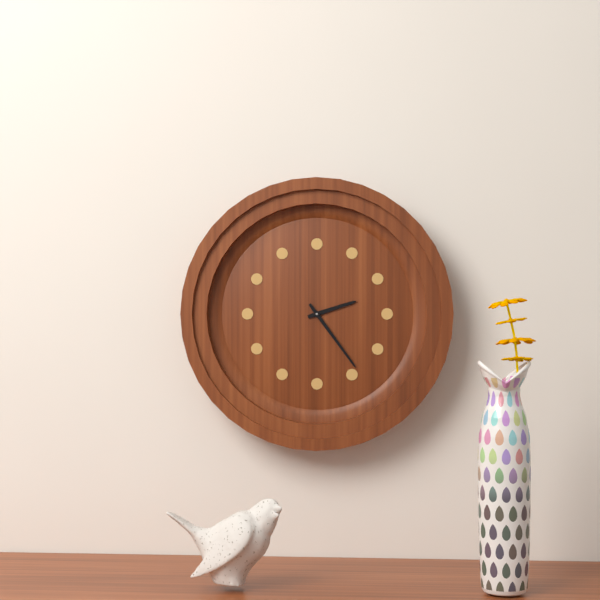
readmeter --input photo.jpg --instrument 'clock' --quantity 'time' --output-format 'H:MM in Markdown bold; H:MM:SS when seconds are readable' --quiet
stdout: **2:24**
